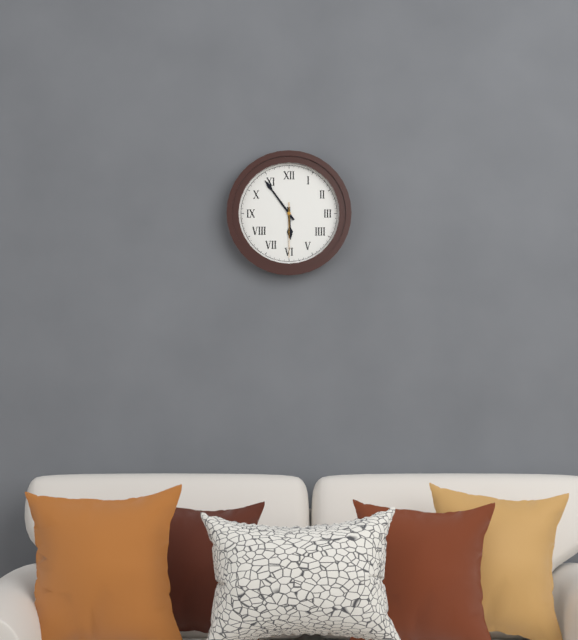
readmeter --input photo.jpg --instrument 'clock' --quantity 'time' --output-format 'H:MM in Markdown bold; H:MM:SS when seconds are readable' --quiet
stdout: **5:54:30**
